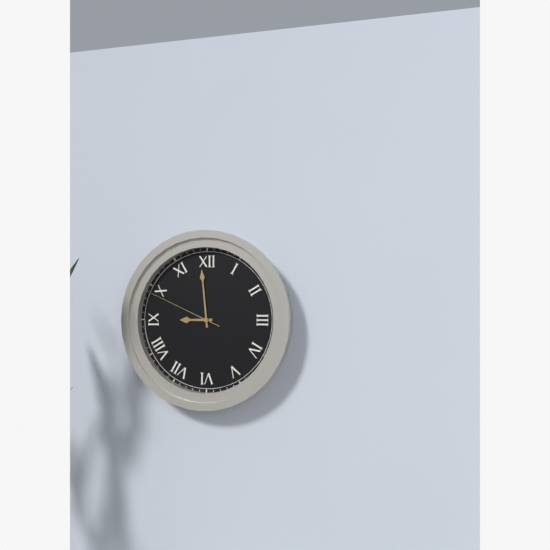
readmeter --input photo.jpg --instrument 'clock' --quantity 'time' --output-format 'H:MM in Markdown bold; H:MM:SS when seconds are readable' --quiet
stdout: **8:59:49**
